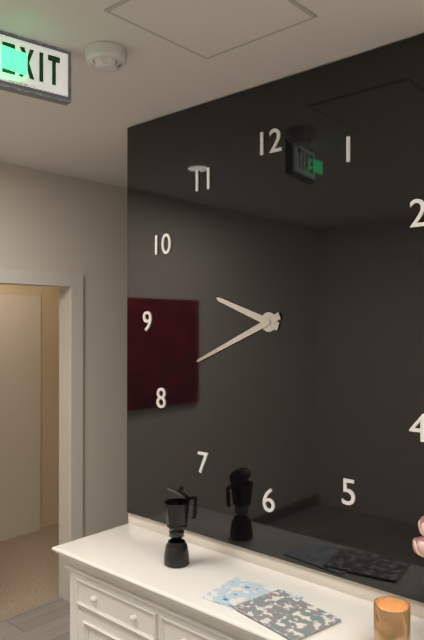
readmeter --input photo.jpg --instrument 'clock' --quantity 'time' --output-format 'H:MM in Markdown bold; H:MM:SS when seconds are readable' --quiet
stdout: **9:41**
